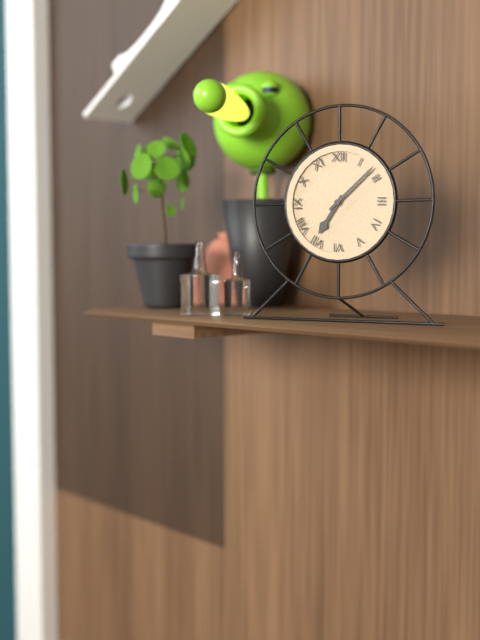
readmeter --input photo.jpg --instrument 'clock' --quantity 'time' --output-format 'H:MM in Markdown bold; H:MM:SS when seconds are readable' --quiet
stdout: **7:08**
